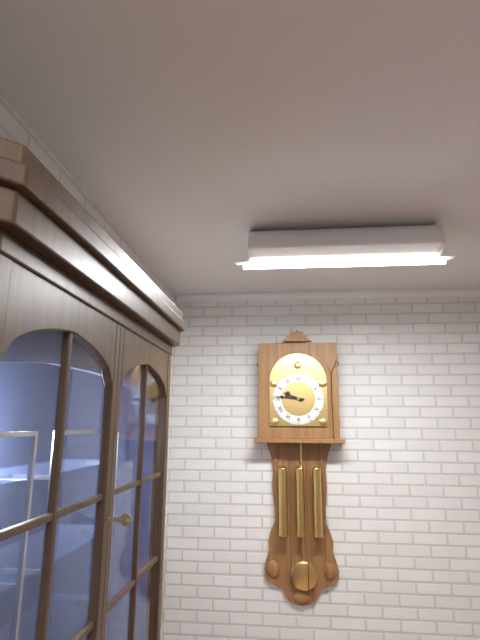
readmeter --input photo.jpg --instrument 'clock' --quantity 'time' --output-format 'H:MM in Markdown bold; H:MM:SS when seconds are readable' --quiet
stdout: **9:46**
